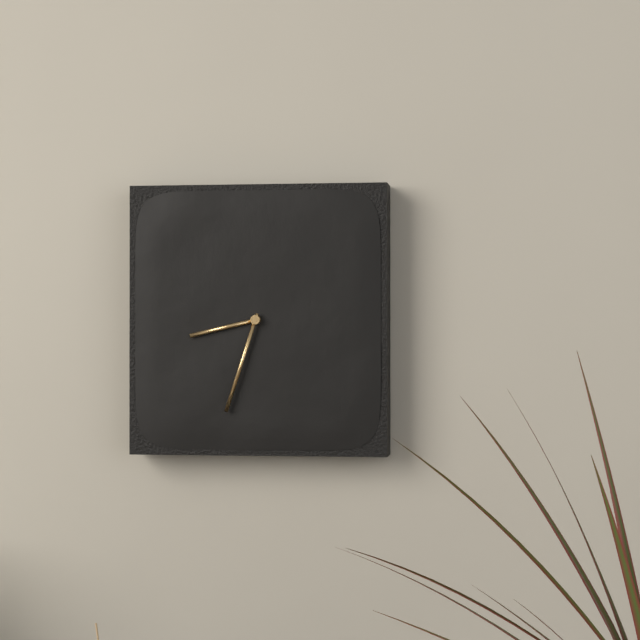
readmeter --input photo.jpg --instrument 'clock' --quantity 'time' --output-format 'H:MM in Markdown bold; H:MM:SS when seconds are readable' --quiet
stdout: **8:33**
